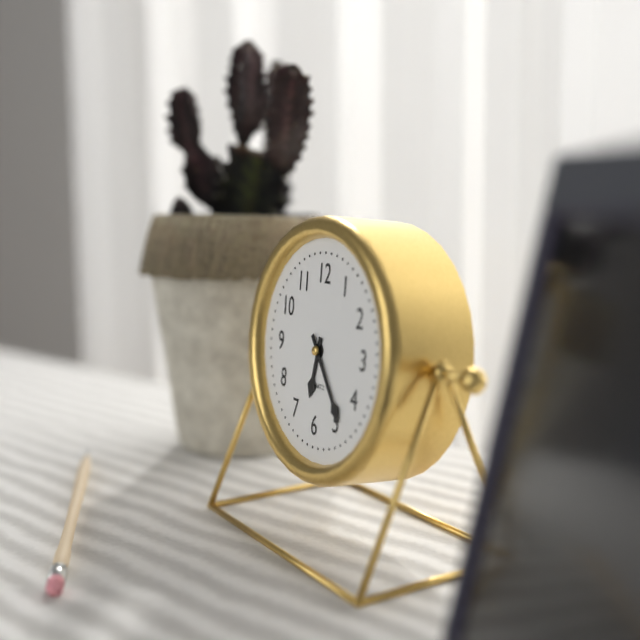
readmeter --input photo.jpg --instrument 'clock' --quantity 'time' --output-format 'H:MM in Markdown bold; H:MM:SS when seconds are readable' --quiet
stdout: **6:24**
